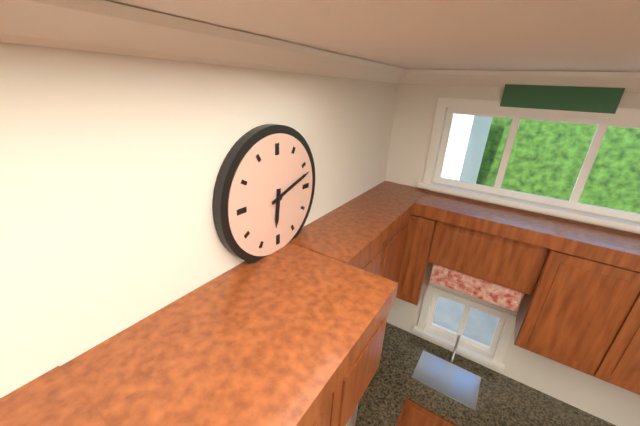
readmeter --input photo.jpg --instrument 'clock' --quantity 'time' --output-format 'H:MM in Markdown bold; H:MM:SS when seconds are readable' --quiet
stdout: **6:12**
